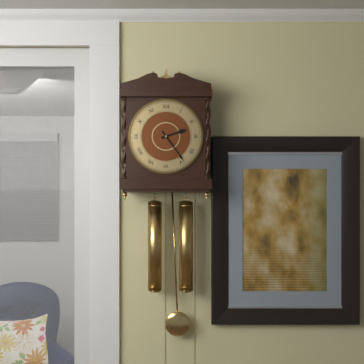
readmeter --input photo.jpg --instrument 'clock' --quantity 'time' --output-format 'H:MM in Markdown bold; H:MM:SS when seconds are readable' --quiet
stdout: **2:24**
